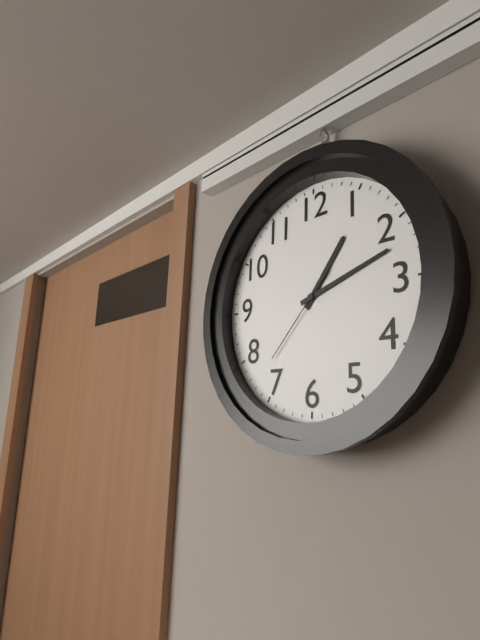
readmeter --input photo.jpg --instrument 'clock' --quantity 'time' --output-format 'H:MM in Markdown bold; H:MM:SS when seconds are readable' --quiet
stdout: **1:12:37**
